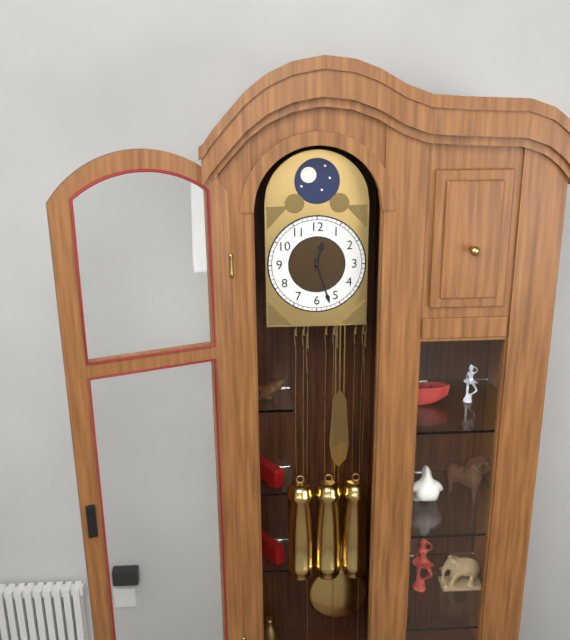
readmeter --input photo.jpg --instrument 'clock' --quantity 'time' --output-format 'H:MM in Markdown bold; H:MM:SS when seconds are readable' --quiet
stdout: **12:27**
